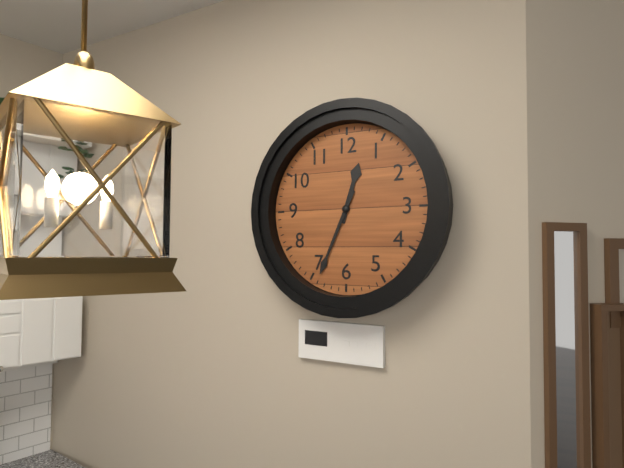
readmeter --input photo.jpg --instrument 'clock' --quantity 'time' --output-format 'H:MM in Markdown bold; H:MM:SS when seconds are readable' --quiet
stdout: **12:34**
